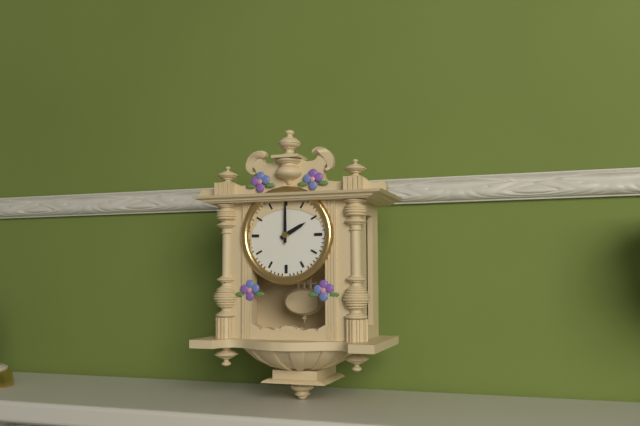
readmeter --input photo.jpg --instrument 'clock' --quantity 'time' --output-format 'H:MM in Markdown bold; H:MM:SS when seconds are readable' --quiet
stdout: **2:00**
